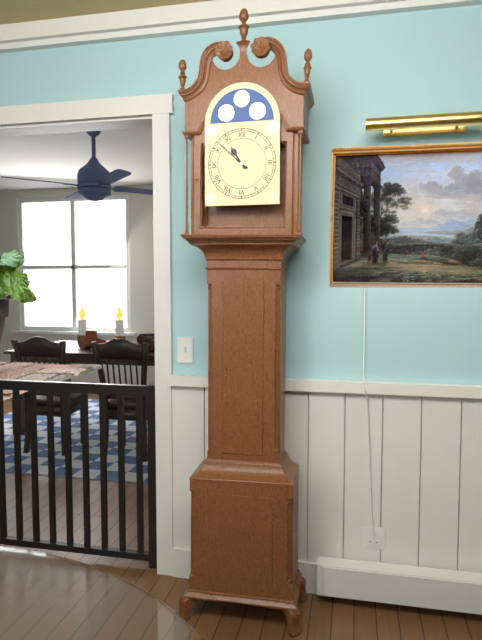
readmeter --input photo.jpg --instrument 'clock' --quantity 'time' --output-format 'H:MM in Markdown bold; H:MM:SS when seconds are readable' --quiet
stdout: **10:52**
